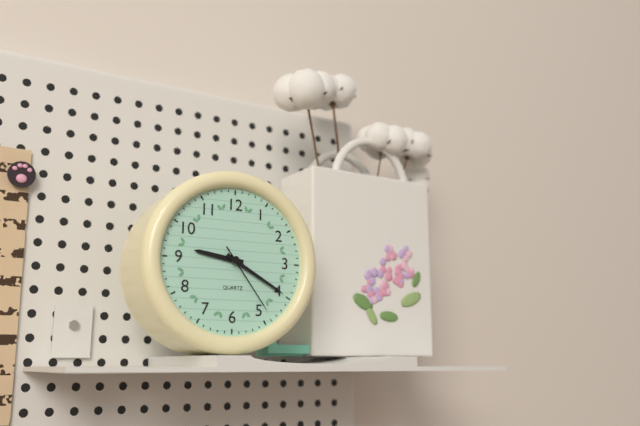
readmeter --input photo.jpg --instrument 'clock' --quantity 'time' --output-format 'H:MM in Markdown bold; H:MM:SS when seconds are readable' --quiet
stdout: **9:20:24**
